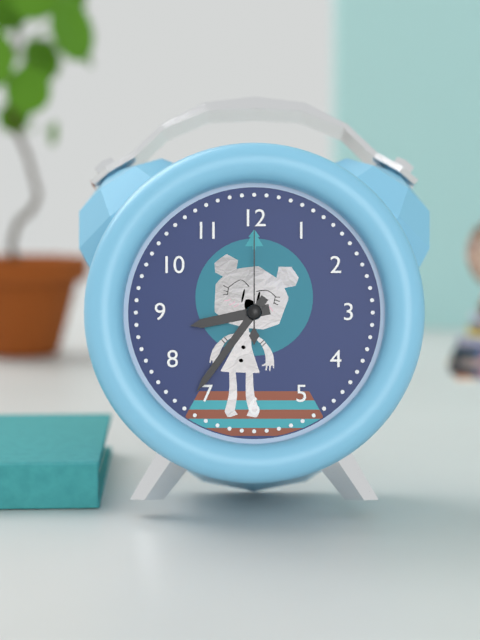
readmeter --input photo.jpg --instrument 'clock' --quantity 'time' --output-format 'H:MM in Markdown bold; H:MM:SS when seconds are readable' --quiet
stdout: **8:36:00**
